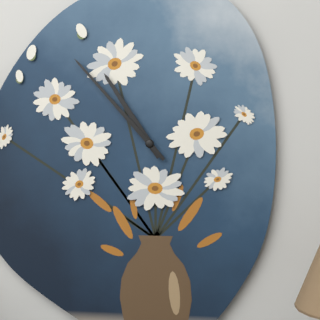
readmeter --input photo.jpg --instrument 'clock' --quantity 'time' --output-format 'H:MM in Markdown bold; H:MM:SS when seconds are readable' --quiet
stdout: **10:53**
